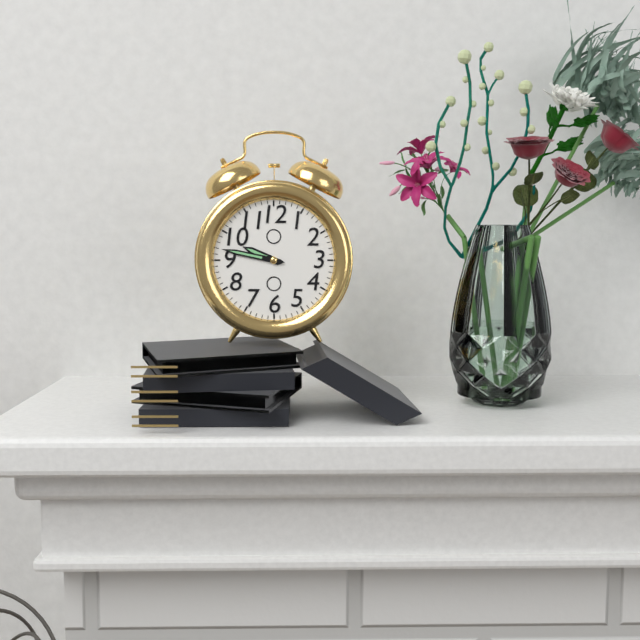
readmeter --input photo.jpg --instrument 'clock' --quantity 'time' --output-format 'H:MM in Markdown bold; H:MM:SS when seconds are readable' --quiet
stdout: **9:47**
